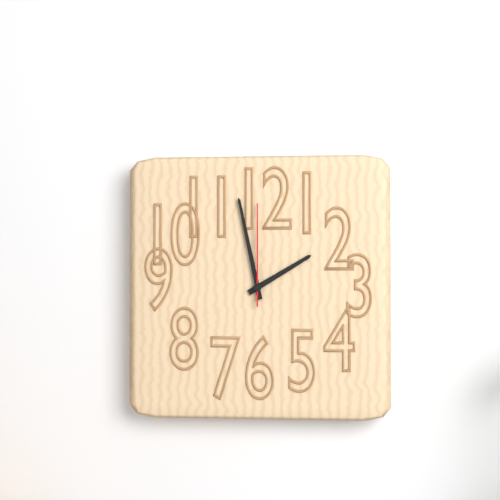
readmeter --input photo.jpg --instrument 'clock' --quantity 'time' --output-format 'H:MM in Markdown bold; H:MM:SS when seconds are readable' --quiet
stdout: **1:58:00**
